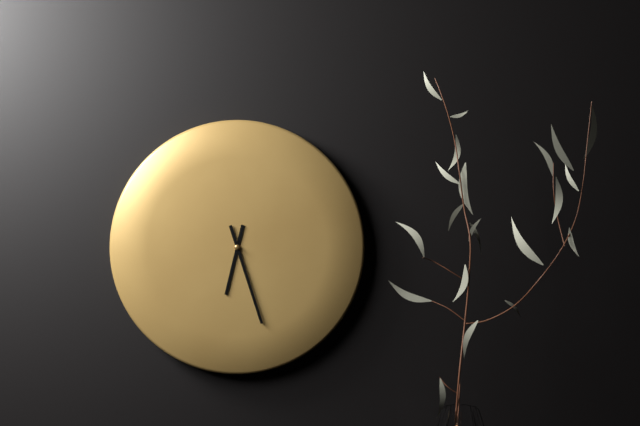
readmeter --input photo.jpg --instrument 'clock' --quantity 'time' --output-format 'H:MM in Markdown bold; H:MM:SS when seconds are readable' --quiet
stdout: **6:27**
